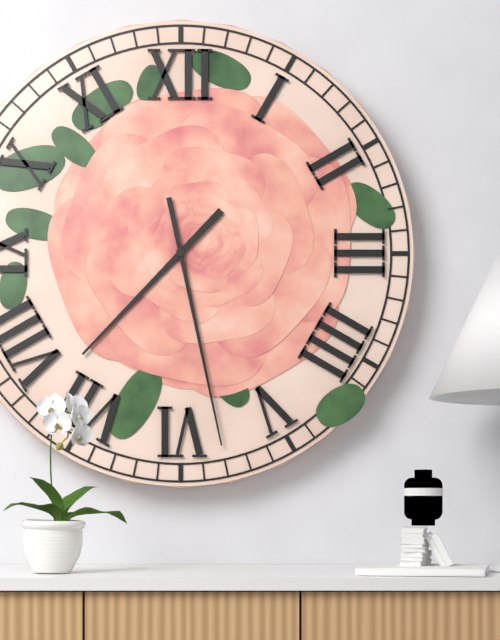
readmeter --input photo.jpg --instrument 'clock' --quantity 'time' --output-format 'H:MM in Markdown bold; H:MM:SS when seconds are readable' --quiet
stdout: **7:28**
